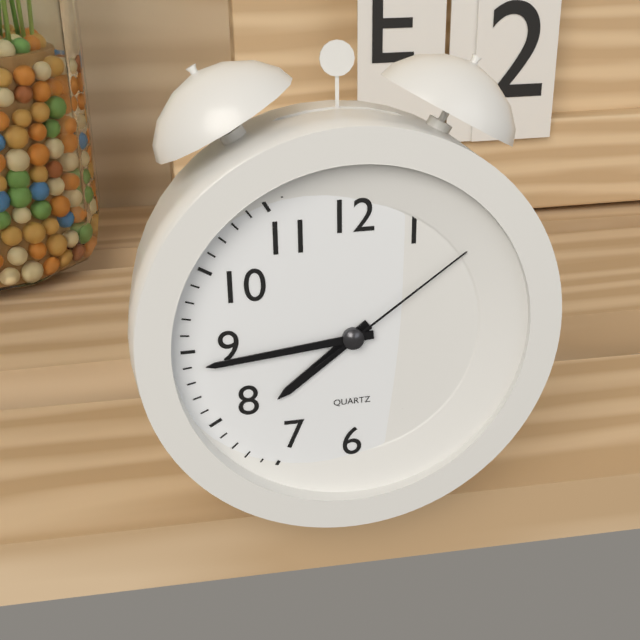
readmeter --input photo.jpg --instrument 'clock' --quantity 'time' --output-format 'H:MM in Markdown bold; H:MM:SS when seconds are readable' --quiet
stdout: **7:44:09**
